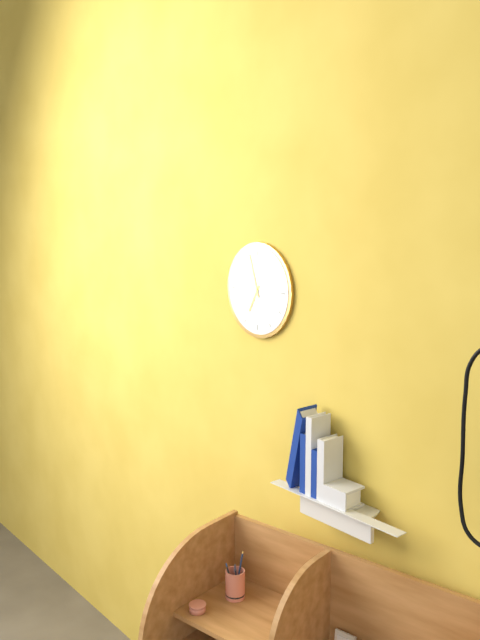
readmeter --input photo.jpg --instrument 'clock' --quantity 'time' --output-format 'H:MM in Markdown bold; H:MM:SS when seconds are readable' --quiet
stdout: **6:57**
